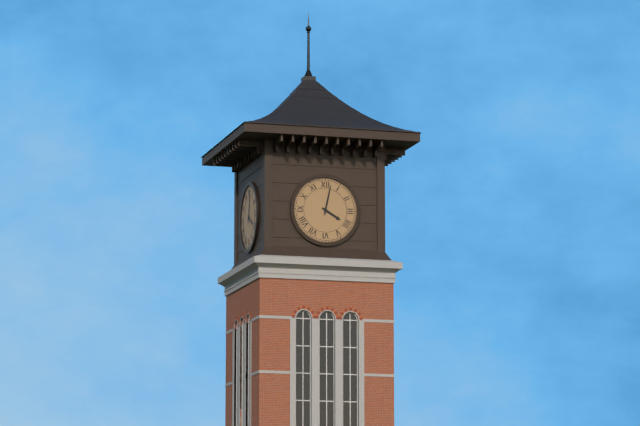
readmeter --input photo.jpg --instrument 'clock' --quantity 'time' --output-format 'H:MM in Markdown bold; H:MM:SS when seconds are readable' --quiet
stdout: **4:02**
